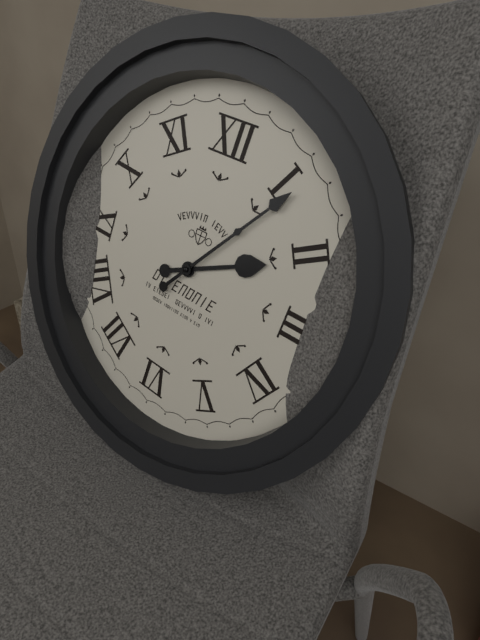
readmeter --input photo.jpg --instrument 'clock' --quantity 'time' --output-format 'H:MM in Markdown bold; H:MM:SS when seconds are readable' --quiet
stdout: **2:06**
